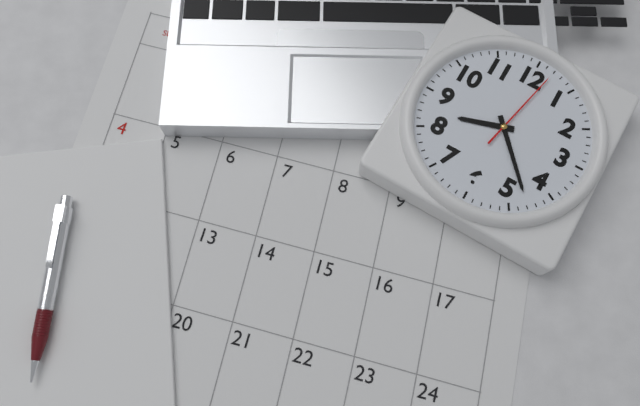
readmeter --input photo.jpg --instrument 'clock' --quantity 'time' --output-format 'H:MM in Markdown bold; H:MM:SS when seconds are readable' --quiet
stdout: **8:23:02**
